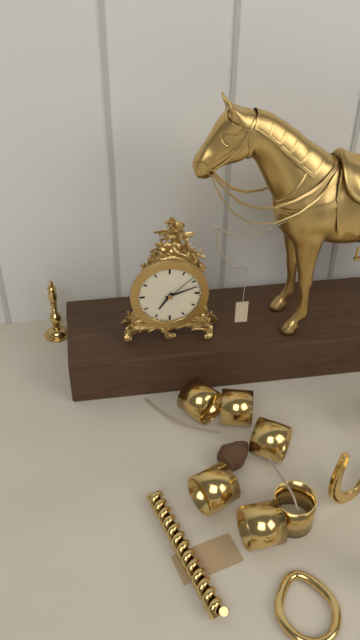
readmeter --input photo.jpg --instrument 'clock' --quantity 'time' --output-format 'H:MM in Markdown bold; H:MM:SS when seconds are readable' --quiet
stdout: **7:12**
